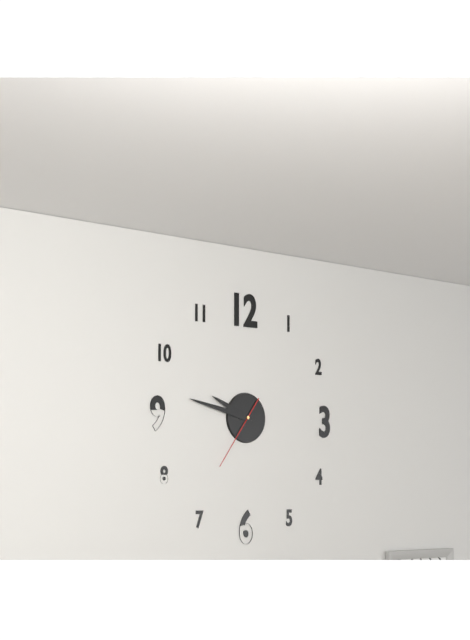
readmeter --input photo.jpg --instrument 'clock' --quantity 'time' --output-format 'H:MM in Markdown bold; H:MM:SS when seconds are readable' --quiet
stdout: **9:47:36**
